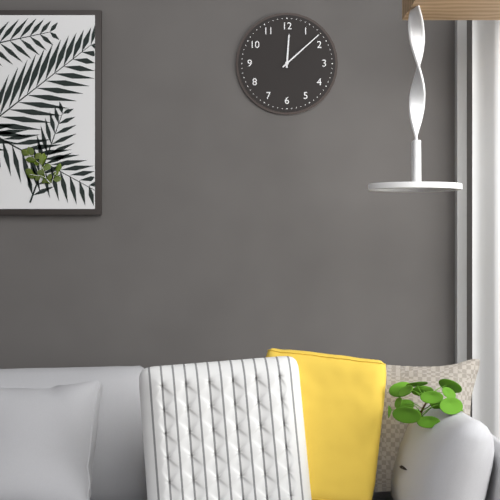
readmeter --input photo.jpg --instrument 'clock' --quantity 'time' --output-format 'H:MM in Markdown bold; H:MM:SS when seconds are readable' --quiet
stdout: **12:08**
